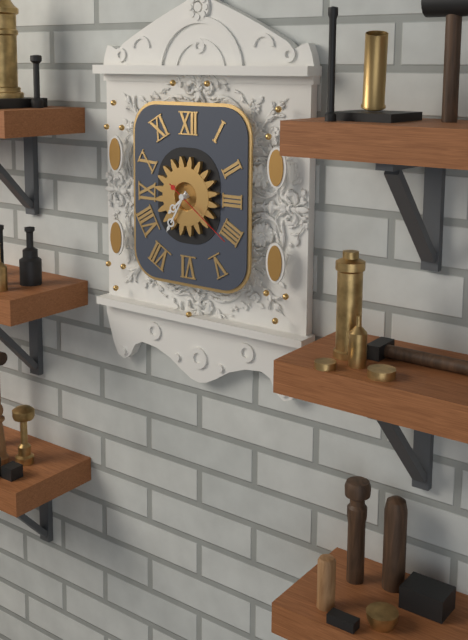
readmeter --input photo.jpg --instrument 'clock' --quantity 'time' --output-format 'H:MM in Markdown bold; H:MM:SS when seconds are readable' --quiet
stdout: **7:35:21**
